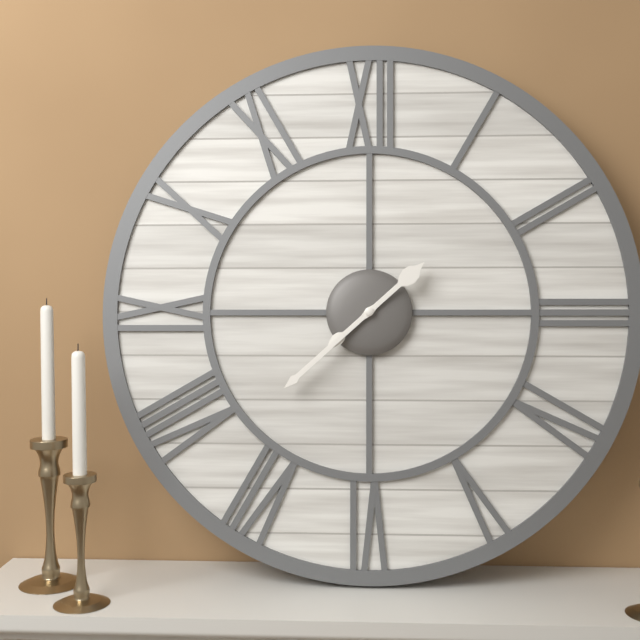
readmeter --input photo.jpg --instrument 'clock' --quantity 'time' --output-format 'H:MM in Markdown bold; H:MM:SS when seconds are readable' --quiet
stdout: **7:38**
